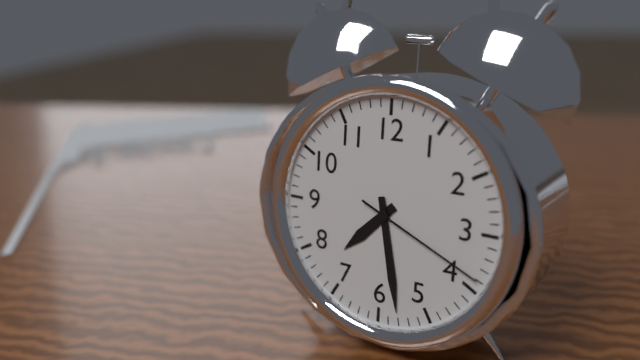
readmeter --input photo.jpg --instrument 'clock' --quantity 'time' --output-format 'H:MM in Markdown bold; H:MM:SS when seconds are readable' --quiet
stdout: **7:28:19**
